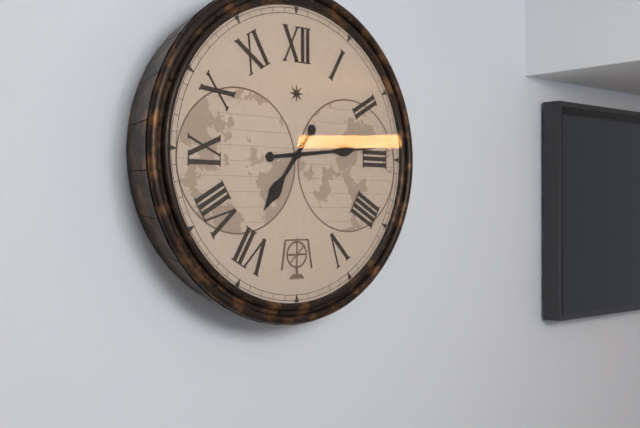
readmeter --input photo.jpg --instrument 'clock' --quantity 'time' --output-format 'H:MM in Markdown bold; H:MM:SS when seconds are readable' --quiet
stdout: **7:14**
